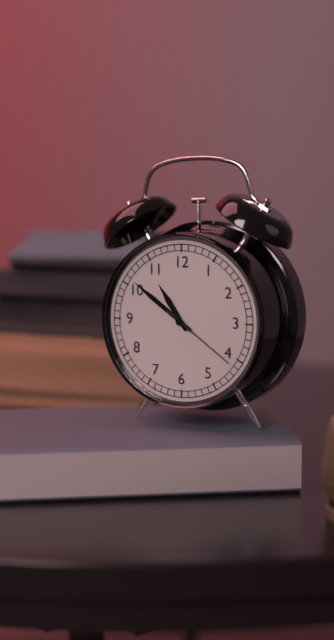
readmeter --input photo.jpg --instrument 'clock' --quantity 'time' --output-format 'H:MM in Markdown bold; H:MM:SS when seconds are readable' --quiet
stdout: **10:51:21**
